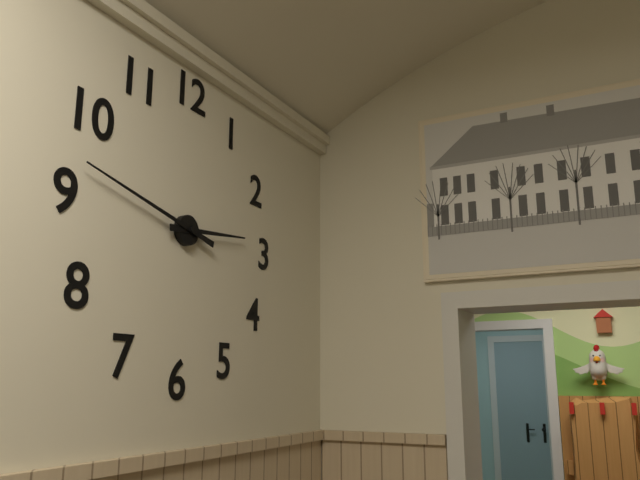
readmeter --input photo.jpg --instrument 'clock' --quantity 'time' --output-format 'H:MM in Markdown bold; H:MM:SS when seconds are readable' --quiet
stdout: **2:47**
